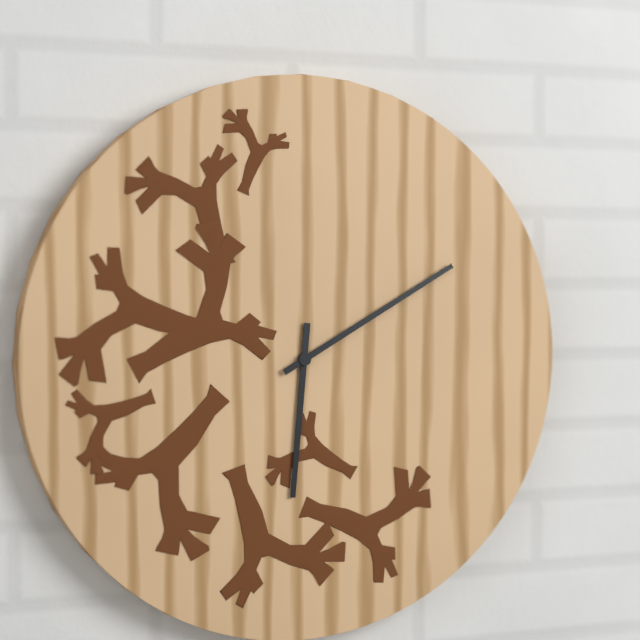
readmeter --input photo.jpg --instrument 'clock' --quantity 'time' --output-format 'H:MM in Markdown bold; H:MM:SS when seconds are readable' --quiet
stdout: **6:10**
